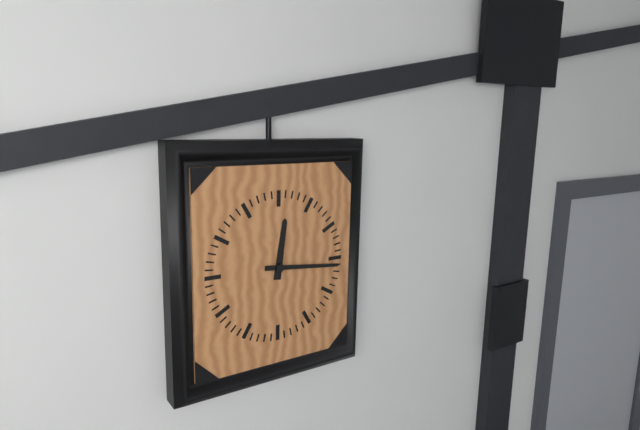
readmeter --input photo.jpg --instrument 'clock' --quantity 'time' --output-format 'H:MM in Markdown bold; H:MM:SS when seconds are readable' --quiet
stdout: **12:16**
